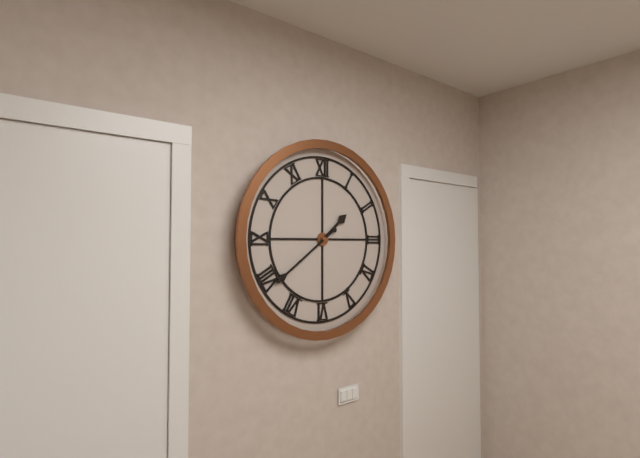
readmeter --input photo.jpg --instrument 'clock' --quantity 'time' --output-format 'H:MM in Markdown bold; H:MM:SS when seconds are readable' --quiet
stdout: **1:39**
